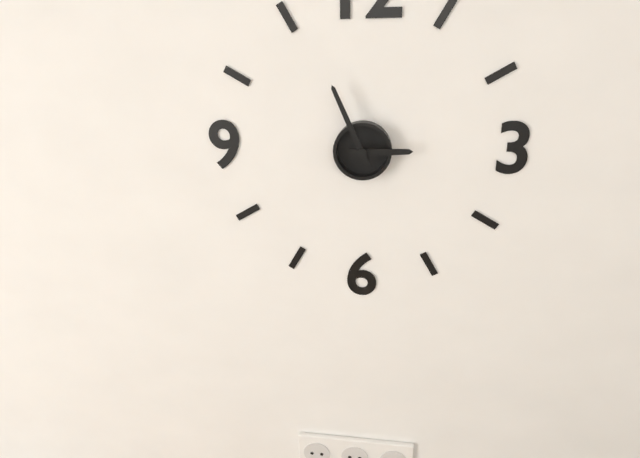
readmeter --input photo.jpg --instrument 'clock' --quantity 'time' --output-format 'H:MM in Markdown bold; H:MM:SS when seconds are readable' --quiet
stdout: **2:56**
